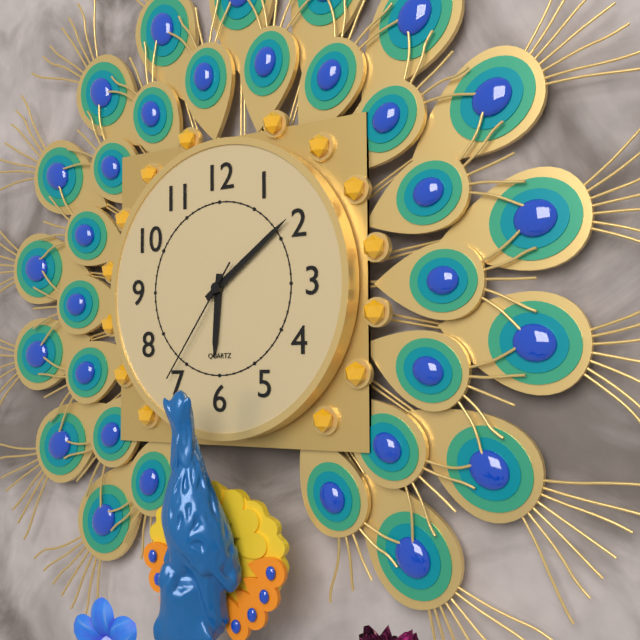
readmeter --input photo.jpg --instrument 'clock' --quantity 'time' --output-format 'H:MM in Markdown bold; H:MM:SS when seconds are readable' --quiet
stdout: **6:09:36**
